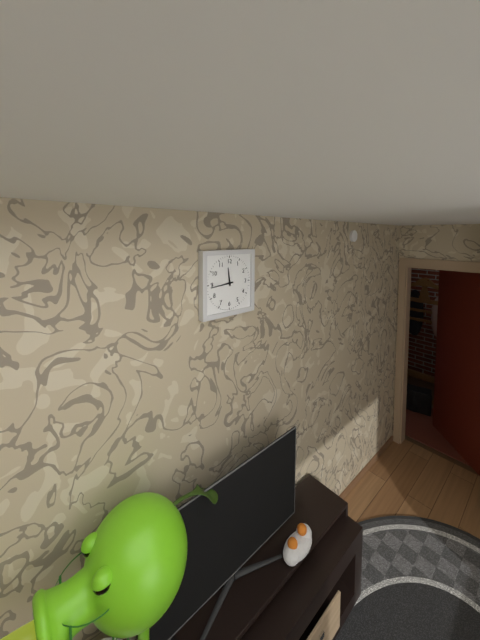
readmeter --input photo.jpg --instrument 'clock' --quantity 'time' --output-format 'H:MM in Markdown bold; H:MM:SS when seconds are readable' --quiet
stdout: **11:44**
